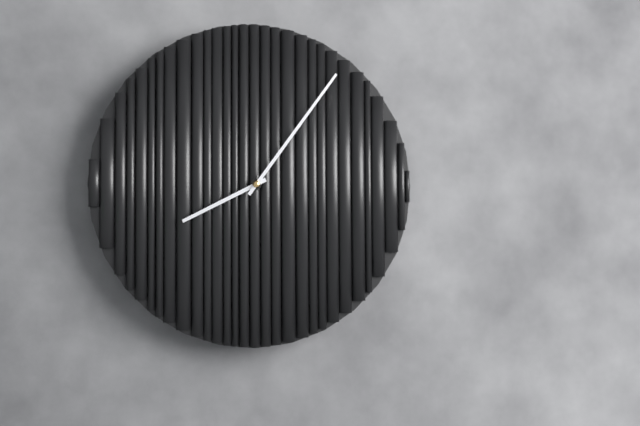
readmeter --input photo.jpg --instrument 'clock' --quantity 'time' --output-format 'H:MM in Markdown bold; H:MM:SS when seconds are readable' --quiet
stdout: **8:06**
